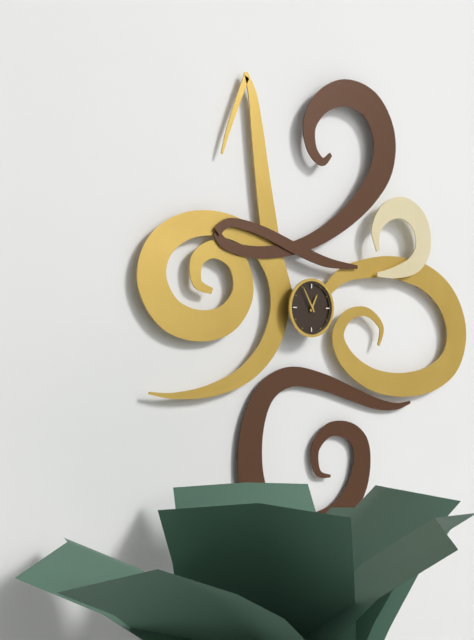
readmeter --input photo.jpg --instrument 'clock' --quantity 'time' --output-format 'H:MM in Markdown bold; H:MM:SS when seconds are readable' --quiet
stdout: **12:55**
